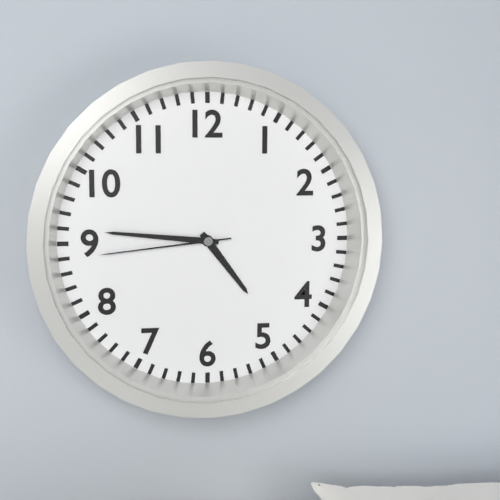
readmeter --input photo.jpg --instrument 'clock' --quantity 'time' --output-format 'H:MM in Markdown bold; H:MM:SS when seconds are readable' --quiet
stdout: **4:46:44**
